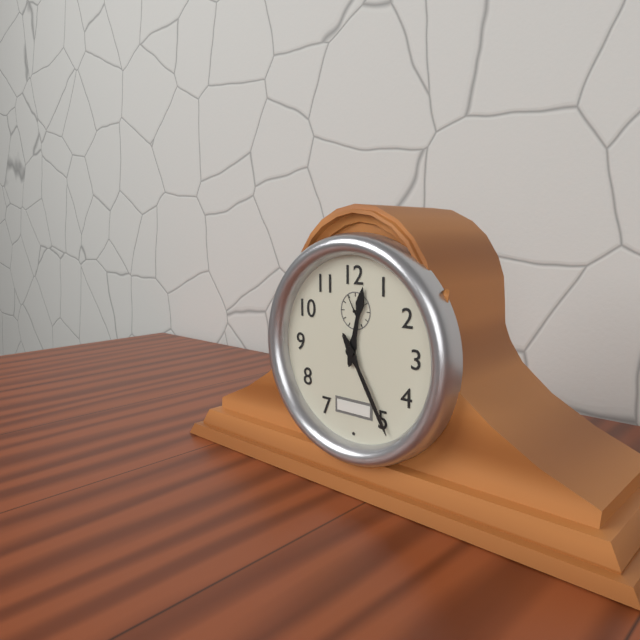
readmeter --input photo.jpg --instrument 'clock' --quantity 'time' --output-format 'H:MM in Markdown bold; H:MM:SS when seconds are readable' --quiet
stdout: **12:25**
